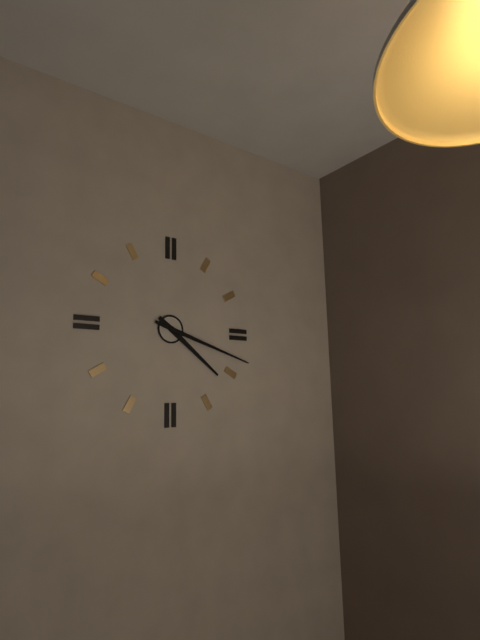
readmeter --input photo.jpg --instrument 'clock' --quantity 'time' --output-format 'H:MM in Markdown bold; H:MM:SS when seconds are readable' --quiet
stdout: **4:18**
